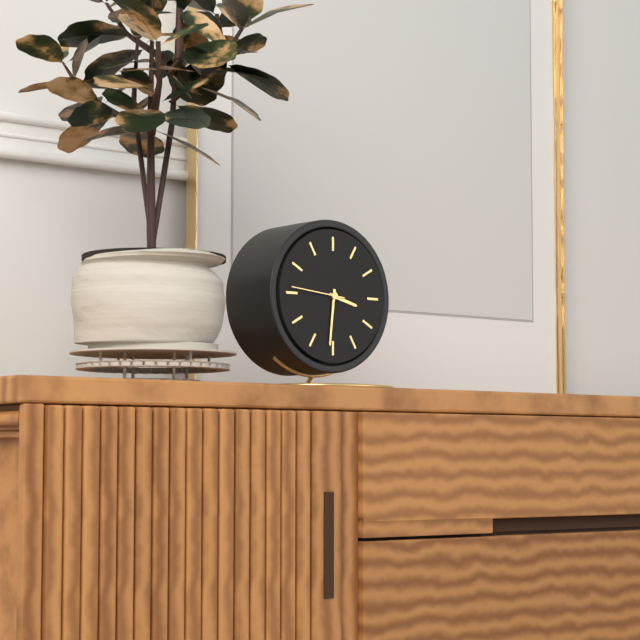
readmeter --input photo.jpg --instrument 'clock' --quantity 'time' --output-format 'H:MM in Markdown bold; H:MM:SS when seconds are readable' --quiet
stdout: **3:31:46**
